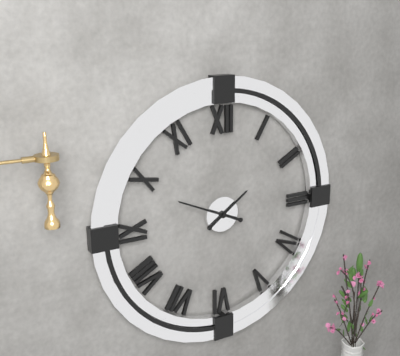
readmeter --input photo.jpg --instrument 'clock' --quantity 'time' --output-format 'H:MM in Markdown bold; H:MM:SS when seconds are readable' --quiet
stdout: **1:49**
